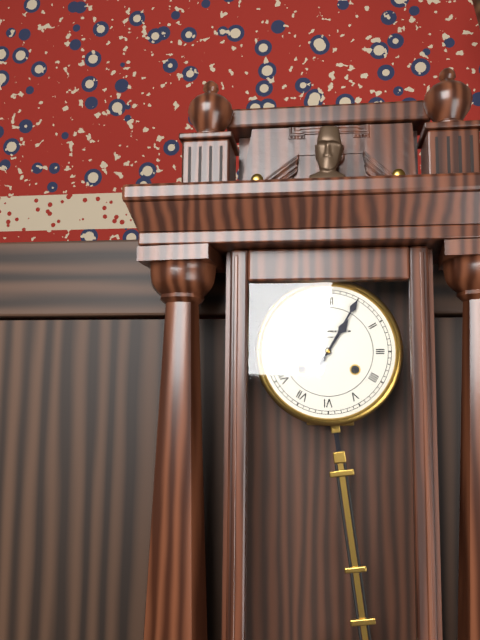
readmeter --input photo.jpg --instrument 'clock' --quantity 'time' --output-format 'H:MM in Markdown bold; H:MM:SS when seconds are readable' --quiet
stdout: **1:05**
